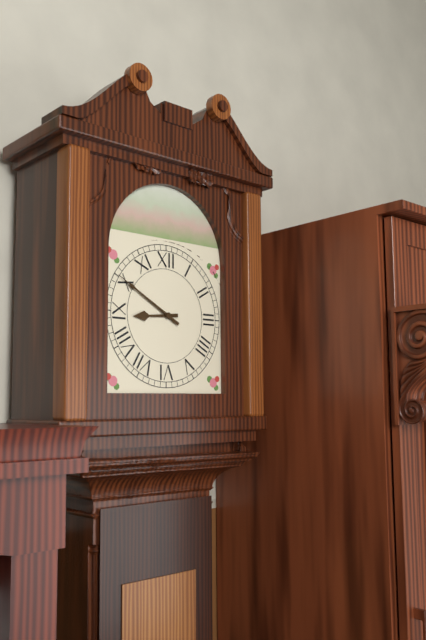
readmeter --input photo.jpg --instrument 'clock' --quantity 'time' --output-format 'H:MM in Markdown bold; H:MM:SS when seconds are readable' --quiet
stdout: **8:50**
